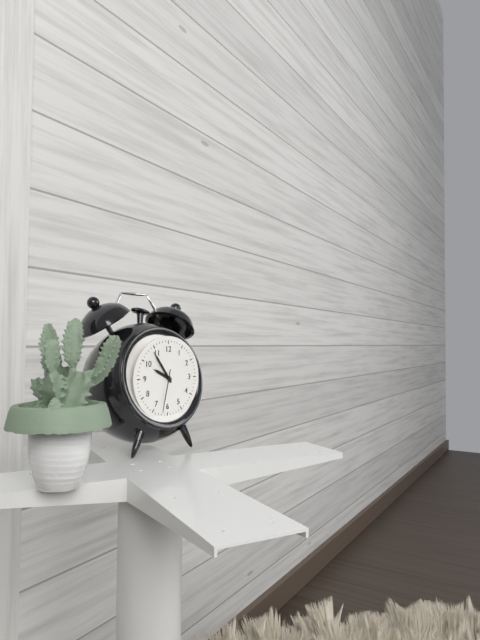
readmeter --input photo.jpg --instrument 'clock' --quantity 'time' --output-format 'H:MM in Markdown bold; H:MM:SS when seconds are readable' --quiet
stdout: **9:54**
